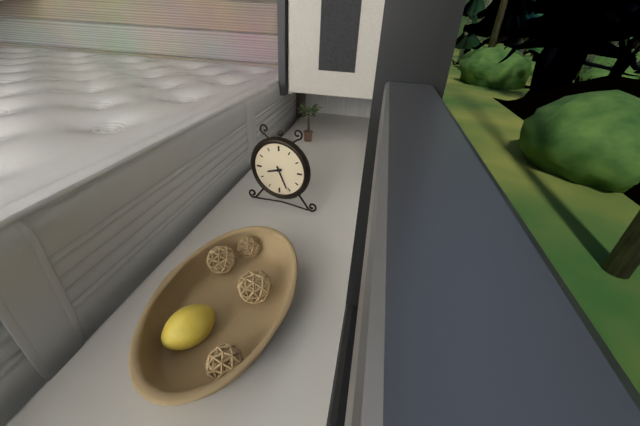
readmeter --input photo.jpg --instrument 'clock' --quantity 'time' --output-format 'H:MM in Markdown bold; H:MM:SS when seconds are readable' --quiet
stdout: **8:26**
